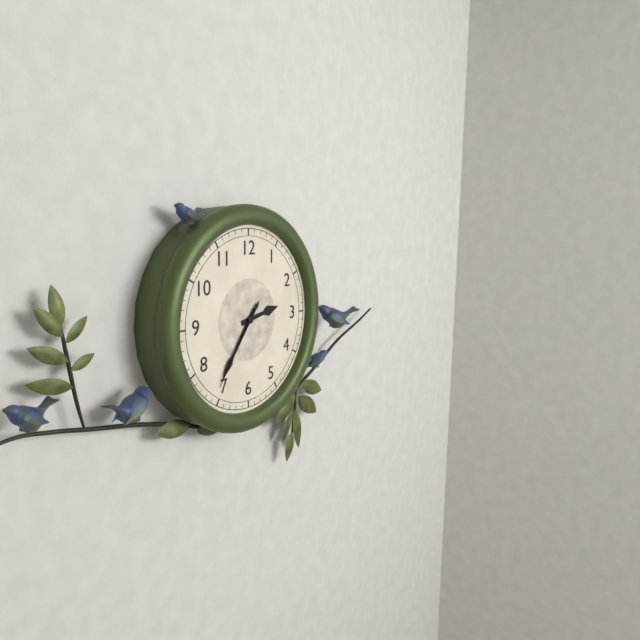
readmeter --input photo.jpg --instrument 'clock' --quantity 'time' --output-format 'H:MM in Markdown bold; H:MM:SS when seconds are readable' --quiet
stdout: **2:36:36**
